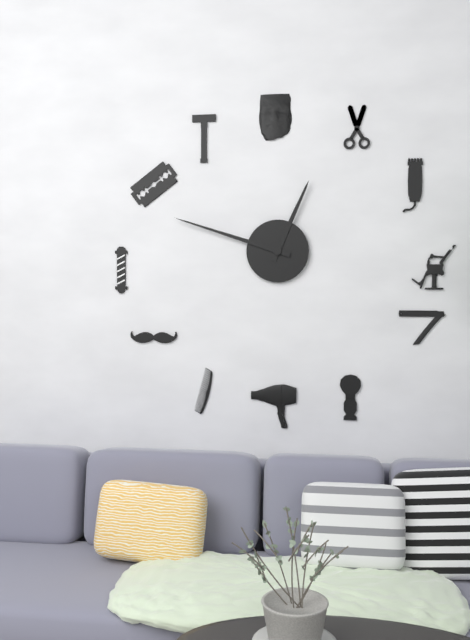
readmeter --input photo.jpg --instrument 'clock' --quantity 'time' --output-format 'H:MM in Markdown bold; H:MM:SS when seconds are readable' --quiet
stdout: **12:48**
